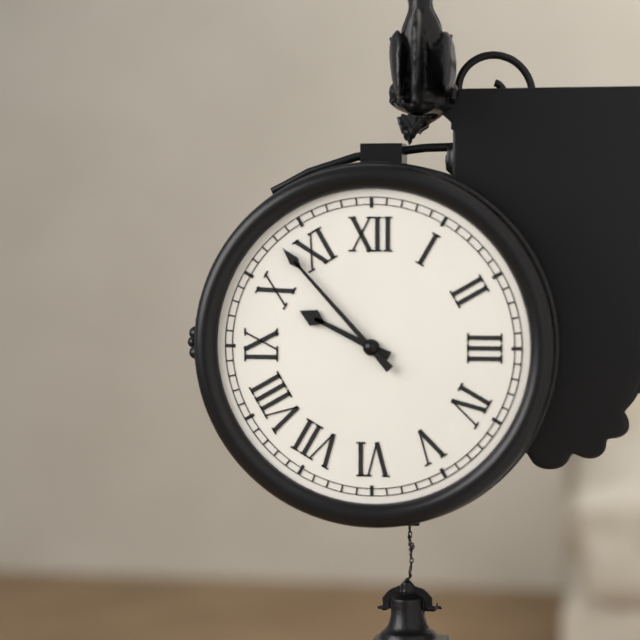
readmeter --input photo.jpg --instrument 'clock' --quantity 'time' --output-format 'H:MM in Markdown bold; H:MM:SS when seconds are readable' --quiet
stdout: **9:53**
